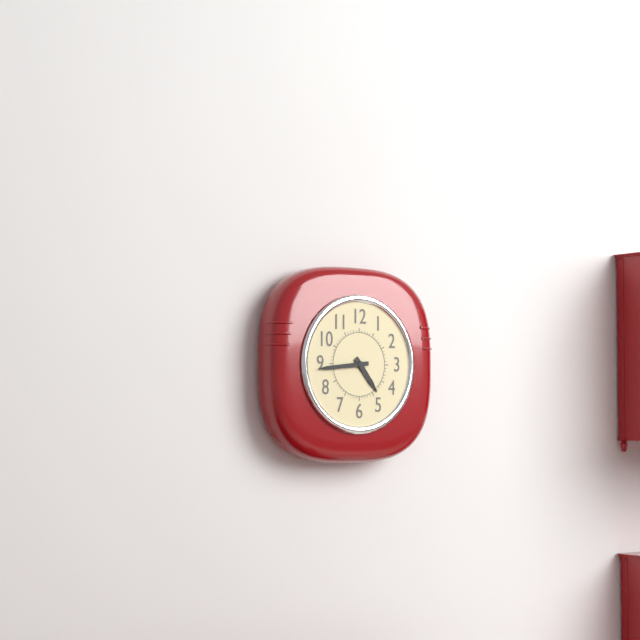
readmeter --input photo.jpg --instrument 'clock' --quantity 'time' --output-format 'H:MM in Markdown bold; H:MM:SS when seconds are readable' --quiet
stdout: **4:44**
